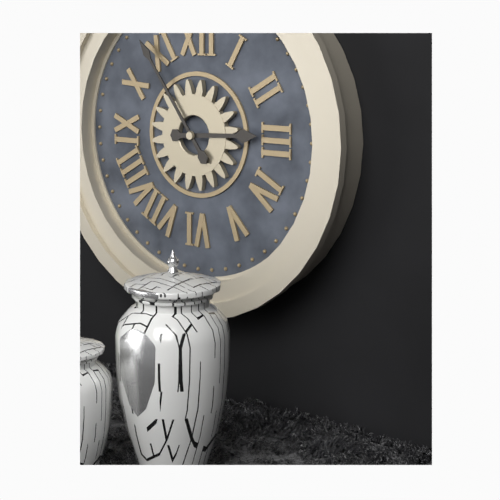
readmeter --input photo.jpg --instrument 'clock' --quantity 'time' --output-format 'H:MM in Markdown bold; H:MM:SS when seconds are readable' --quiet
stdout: **2:54**
